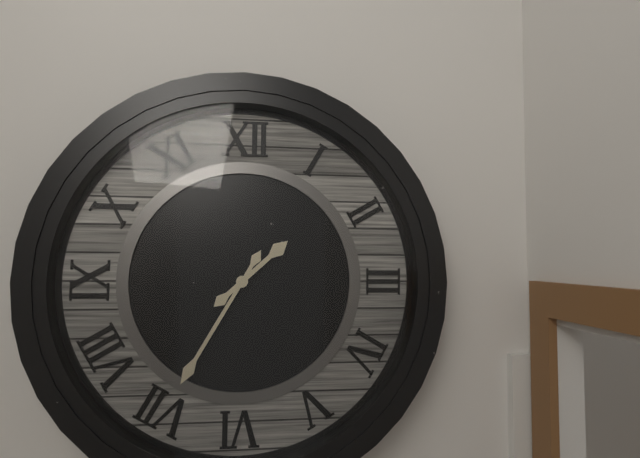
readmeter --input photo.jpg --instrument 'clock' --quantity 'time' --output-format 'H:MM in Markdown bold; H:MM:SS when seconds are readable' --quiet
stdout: **1:35**
